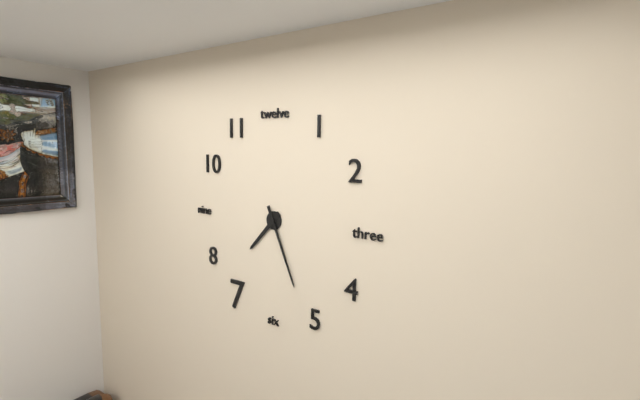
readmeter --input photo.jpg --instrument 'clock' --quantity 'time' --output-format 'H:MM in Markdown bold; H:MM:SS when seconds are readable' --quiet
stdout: **7:26**
